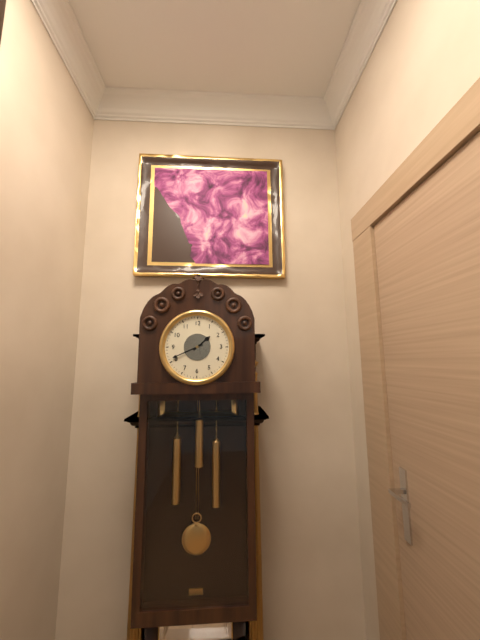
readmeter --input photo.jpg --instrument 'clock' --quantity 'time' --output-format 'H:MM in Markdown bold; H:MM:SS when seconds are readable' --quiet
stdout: **1:41**
